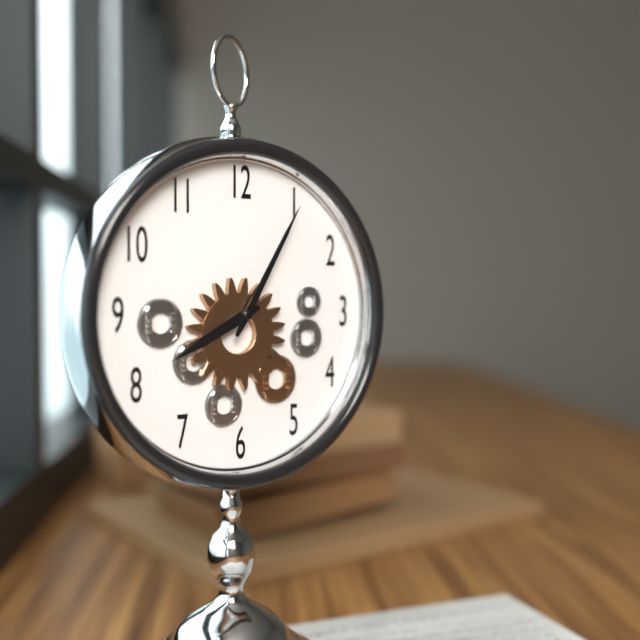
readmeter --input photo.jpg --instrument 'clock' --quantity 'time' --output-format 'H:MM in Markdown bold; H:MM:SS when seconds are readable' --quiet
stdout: **8:05**
